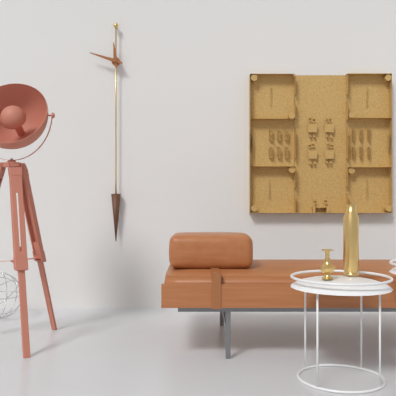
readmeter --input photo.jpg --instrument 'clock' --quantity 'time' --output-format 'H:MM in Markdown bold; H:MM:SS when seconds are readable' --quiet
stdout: **11:48**
